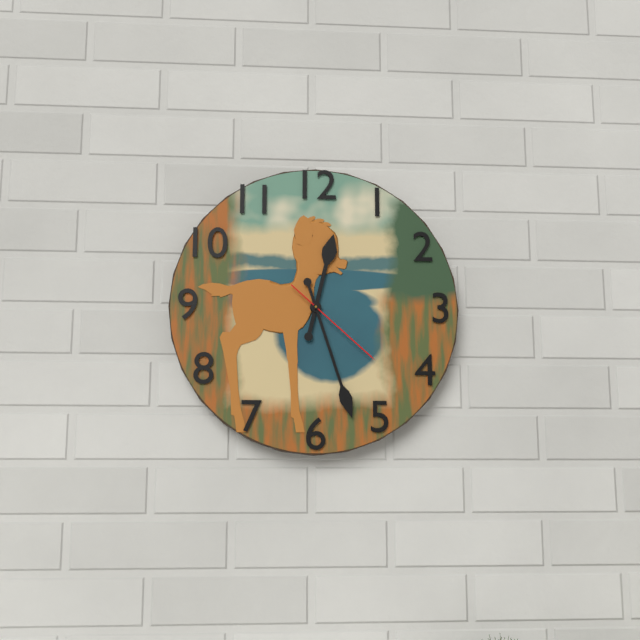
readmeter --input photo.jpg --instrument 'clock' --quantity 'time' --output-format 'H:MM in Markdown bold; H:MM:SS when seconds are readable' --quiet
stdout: **12:27:22**
